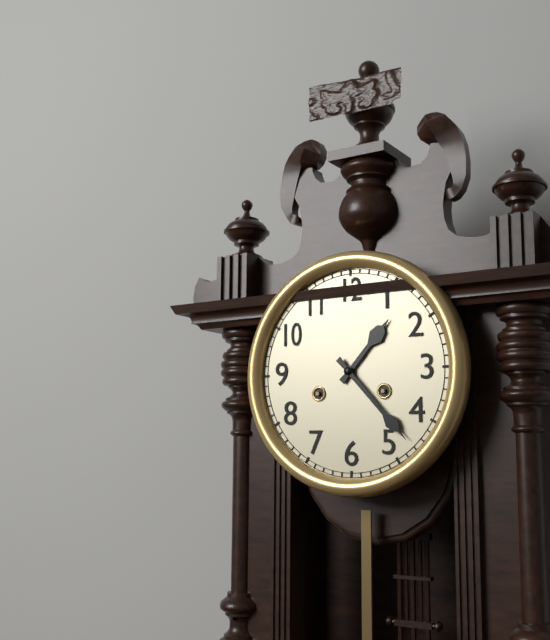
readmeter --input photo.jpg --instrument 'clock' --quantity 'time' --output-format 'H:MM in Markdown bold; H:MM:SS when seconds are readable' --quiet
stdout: **1:23**
